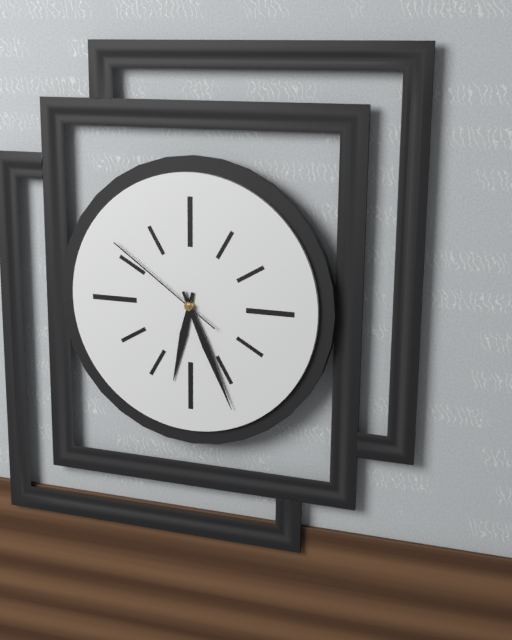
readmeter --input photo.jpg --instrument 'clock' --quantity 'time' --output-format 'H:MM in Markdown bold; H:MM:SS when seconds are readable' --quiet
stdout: **6:26:51**
